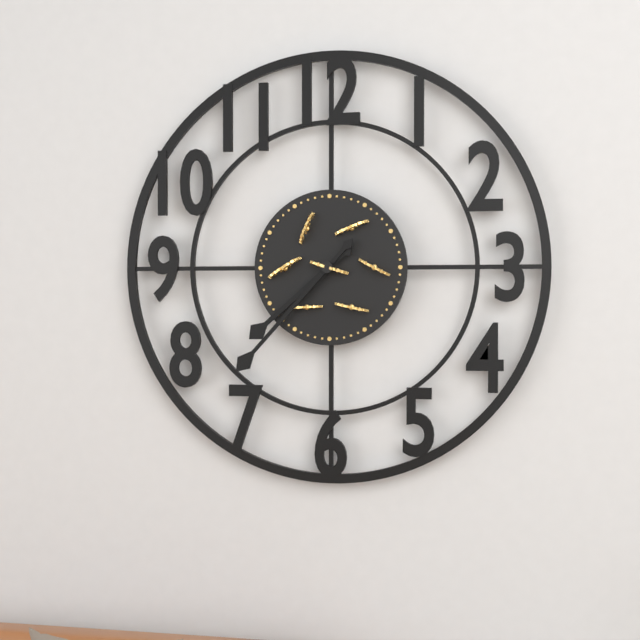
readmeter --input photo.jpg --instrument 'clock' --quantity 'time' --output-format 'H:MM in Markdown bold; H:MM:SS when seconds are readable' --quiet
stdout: **7:37**
